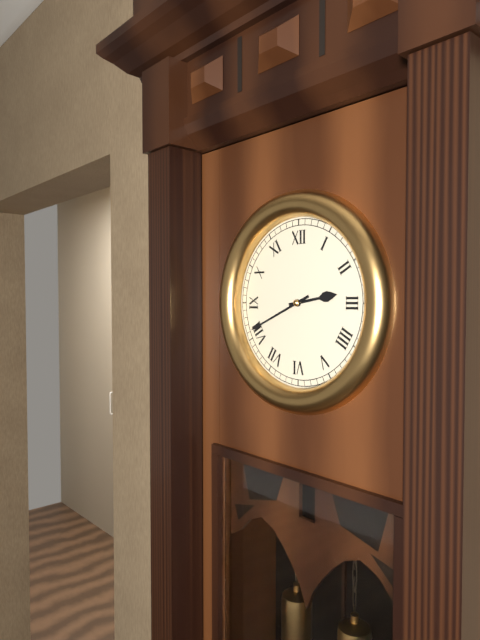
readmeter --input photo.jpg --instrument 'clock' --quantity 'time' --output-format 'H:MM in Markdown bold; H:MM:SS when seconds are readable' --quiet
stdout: **2:41**
